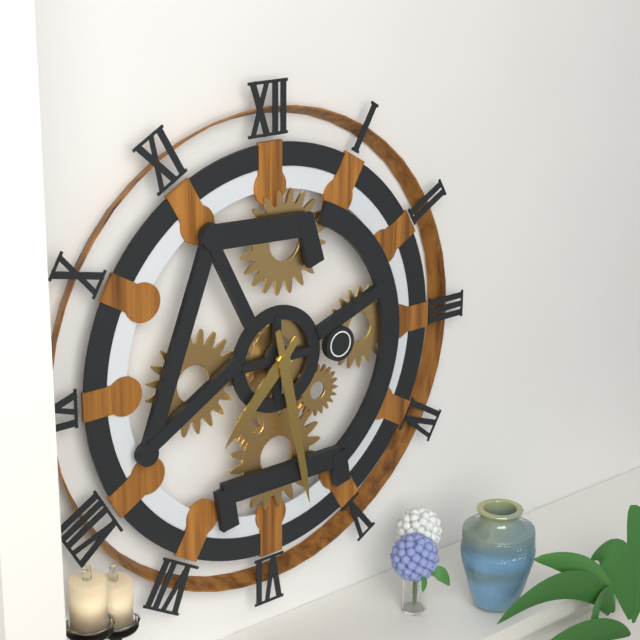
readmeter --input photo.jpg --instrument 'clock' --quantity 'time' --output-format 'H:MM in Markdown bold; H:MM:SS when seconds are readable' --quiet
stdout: **7:28**
